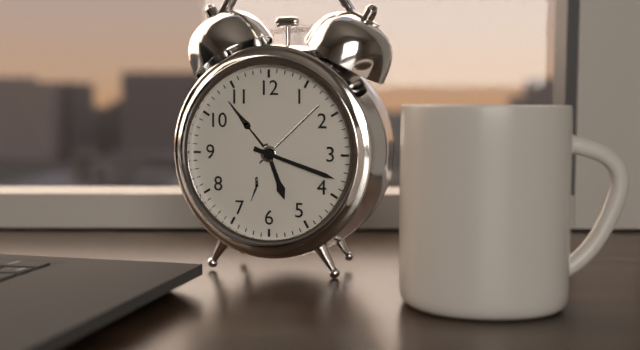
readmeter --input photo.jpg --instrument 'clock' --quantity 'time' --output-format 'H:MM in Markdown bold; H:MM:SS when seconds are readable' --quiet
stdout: **5:18**
